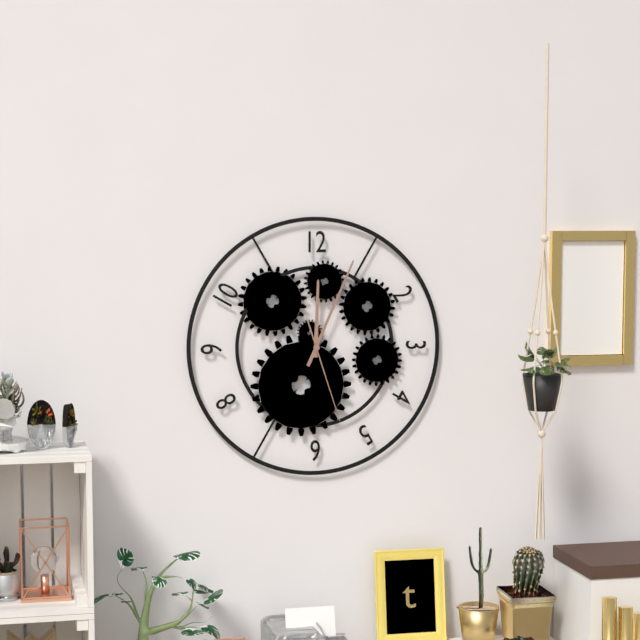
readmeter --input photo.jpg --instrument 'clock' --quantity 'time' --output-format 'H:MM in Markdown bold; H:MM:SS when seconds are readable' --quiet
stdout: **12:04:27**
